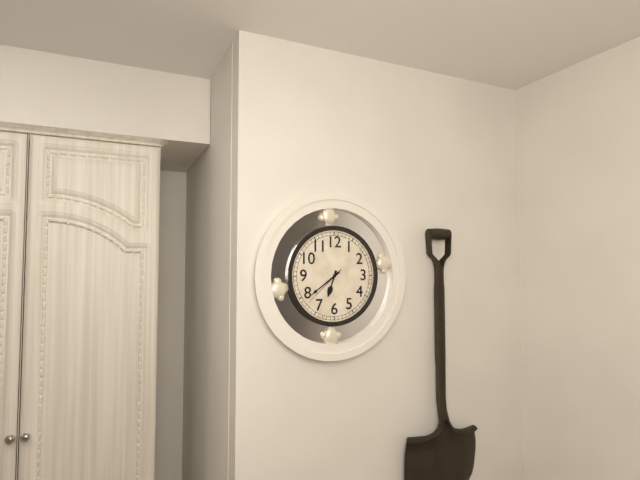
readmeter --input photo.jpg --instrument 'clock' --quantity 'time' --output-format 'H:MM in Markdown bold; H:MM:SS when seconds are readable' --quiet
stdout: **6:39**
